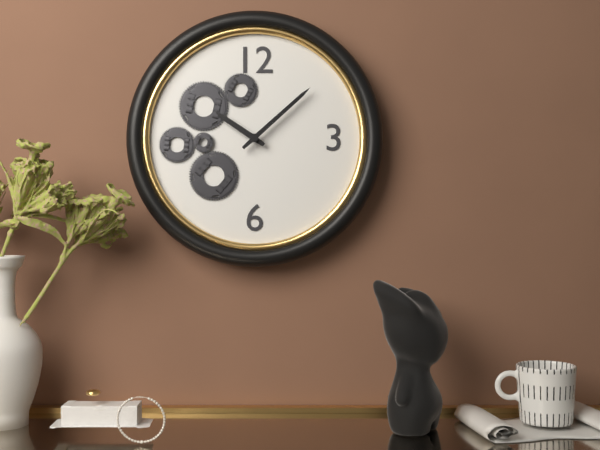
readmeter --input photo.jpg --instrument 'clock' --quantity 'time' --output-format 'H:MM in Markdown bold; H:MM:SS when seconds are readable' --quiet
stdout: **10:08**
